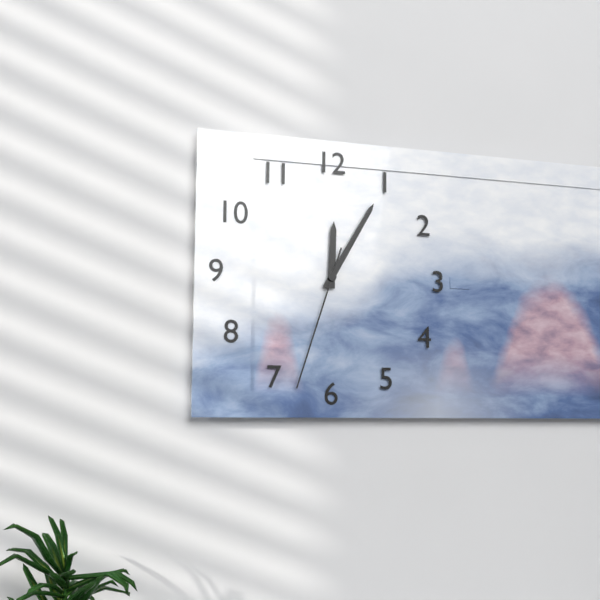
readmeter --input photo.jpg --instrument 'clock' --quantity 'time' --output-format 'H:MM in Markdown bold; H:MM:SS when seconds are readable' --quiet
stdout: **12:05:33**
